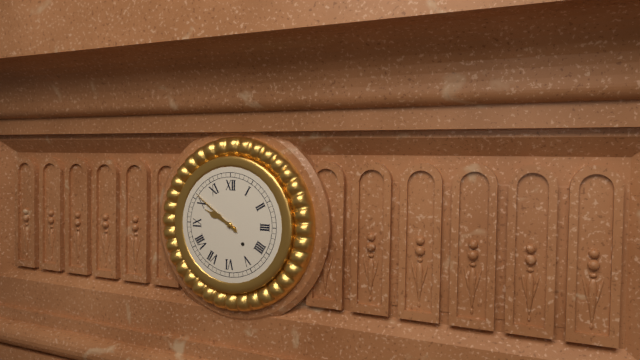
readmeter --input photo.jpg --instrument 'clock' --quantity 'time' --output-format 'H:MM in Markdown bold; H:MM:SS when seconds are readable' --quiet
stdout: **9:51**
